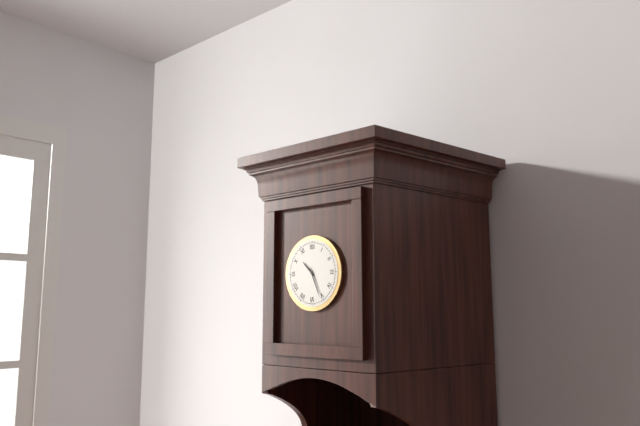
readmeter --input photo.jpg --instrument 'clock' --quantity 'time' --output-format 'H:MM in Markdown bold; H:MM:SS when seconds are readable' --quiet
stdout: **10:26**
